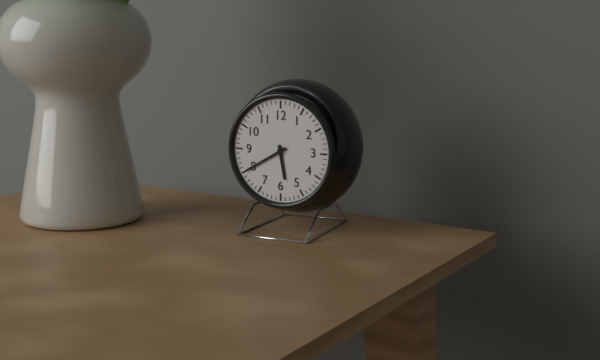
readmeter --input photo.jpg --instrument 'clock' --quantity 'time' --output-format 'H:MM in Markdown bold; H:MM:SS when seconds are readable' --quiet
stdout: **5:40**
